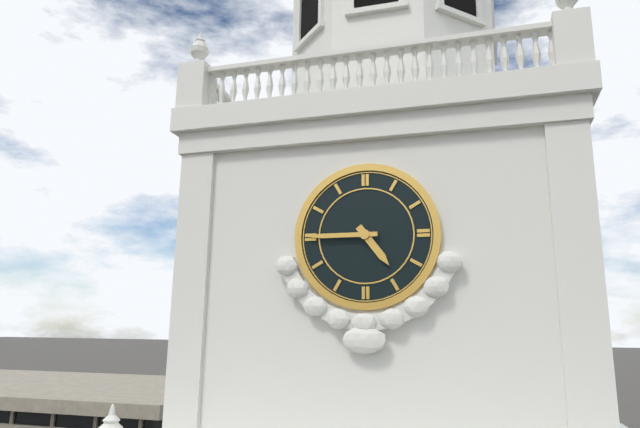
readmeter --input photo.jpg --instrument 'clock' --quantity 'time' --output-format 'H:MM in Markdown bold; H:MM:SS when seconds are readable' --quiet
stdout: **4:45**
